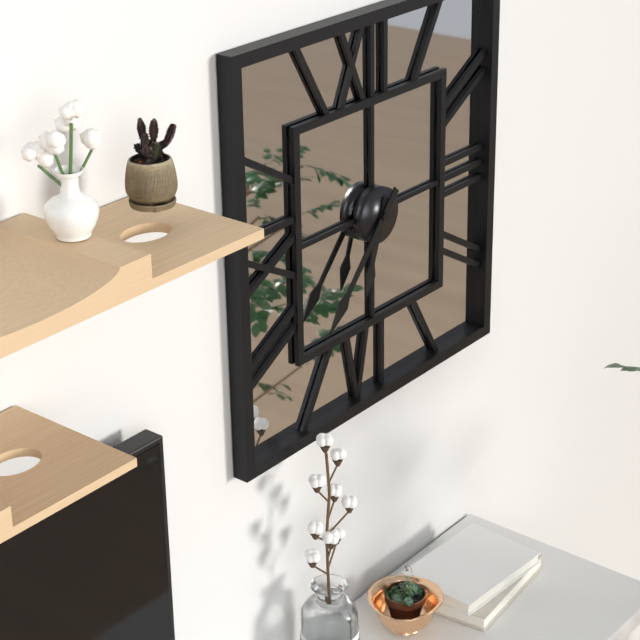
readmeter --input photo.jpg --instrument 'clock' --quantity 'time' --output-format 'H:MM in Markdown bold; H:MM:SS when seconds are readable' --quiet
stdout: **6:37**
